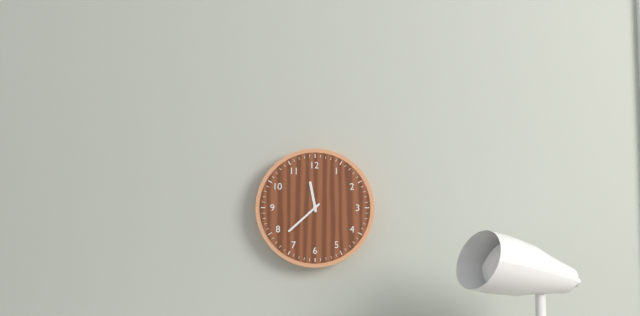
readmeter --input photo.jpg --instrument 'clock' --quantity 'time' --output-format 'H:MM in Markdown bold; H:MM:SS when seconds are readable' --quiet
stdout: **11:38**
